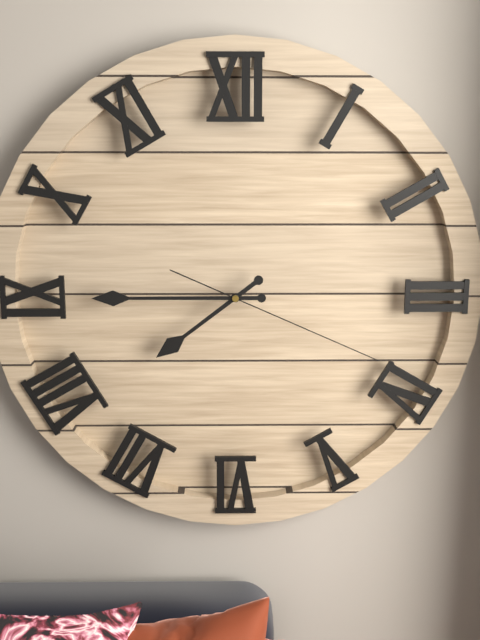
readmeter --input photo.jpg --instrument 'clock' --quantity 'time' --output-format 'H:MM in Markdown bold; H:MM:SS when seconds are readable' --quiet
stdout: **7:45:19**
